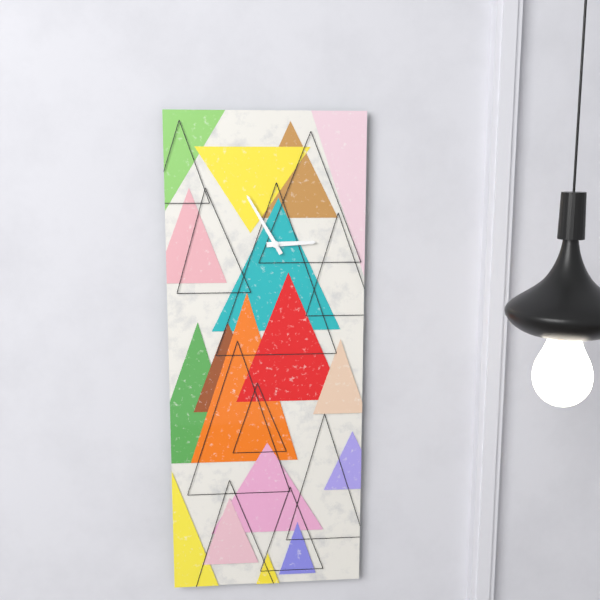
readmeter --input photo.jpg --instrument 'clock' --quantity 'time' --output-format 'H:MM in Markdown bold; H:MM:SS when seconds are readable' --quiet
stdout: **2:55**
